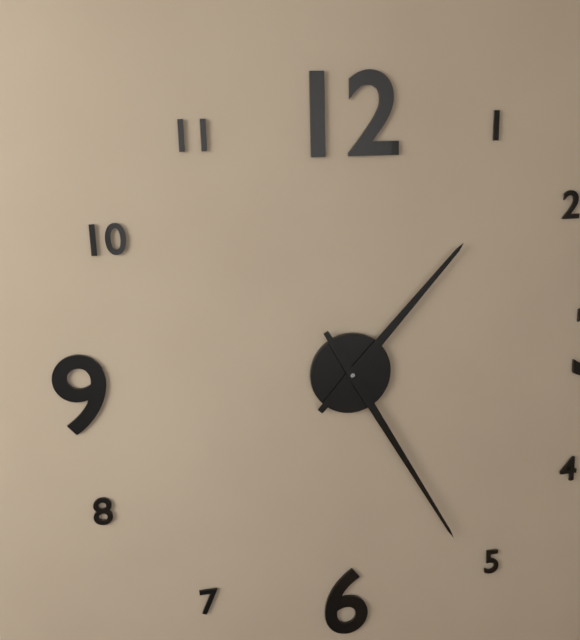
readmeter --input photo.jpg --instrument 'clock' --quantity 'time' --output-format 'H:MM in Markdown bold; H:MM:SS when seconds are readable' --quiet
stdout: **1:25**
